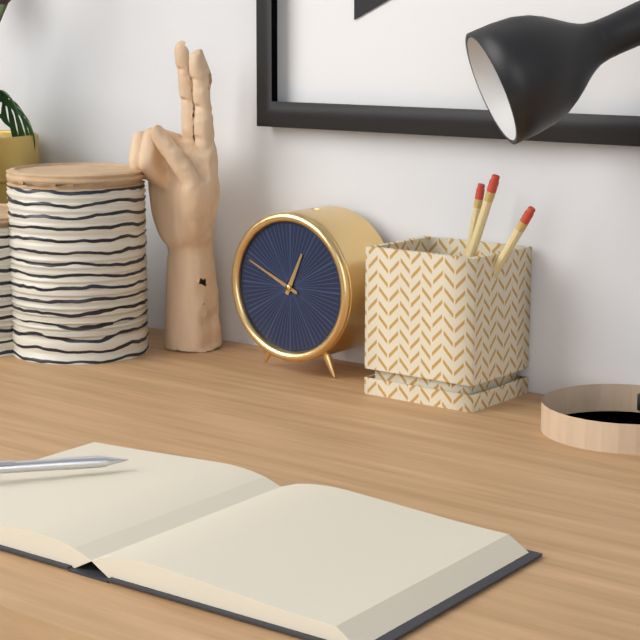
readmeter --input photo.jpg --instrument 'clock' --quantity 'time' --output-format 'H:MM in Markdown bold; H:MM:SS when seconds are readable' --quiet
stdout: **12:49**
